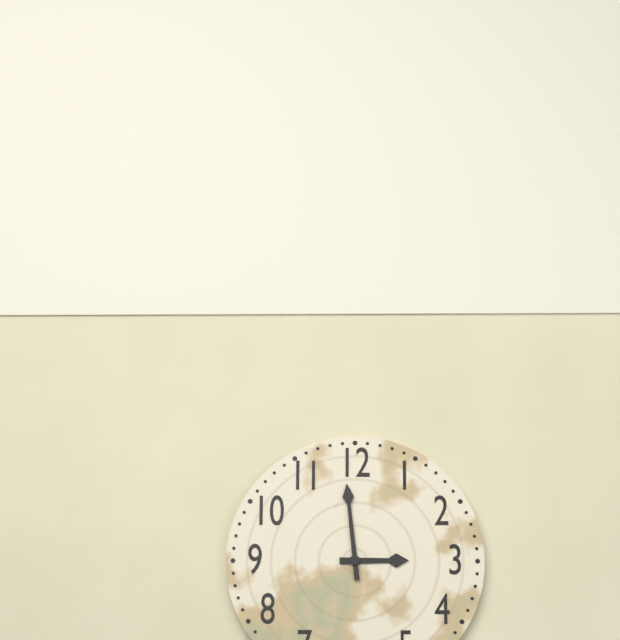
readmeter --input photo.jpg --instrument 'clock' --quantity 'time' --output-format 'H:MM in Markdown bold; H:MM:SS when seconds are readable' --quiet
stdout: **2:59**
